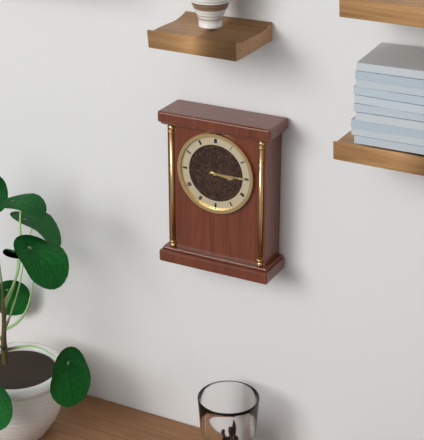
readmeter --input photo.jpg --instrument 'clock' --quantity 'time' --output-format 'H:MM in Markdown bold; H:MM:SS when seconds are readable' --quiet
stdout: **3:15**
